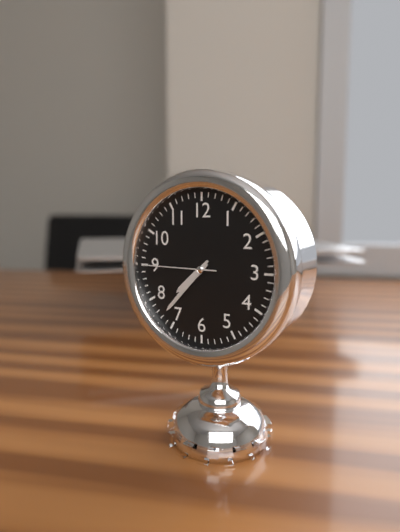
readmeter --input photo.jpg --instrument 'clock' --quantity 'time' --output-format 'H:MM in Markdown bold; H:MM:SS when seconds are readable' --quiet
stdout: **7:37:45**
